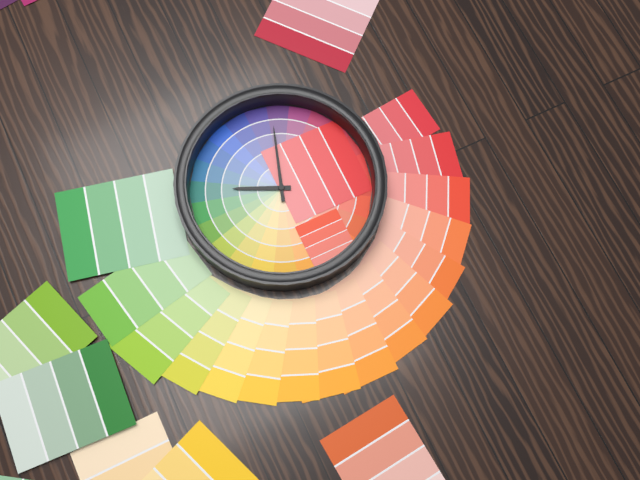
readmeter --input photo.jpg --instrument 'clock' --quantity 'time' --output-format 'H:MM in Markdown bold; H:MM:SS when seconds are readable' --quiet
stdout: **6:48**
